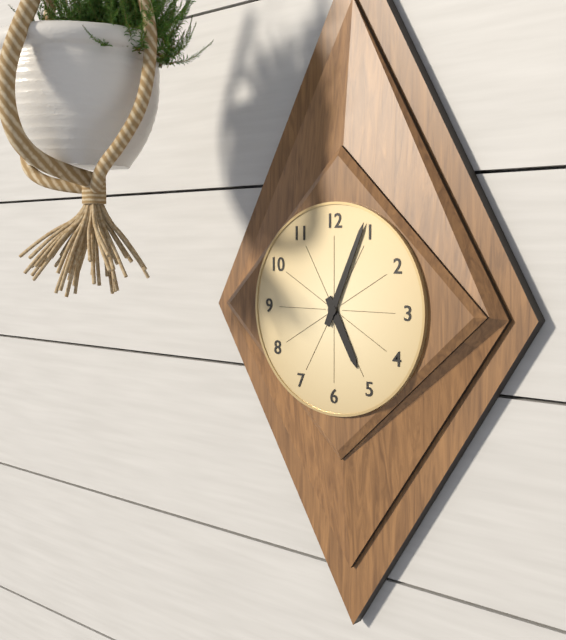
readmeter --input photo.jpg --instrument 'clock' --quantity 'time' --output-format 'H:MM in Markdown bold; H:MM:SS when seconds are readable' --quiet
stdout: **5:04**
